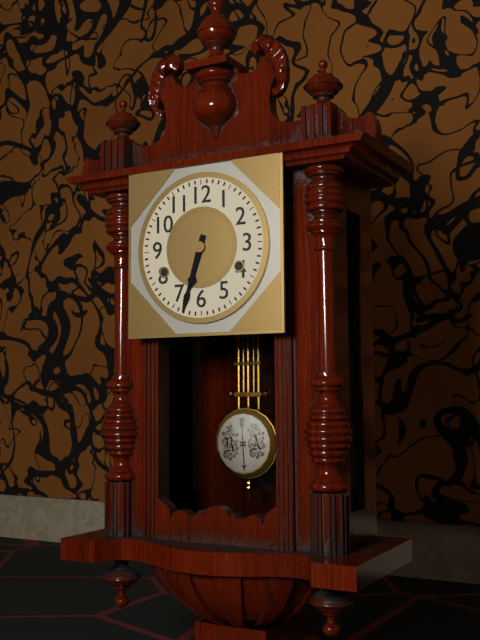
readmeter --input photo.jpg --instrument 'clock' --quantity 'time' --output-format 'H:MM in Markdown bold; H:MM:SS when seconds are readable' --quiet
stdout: **6:33**
